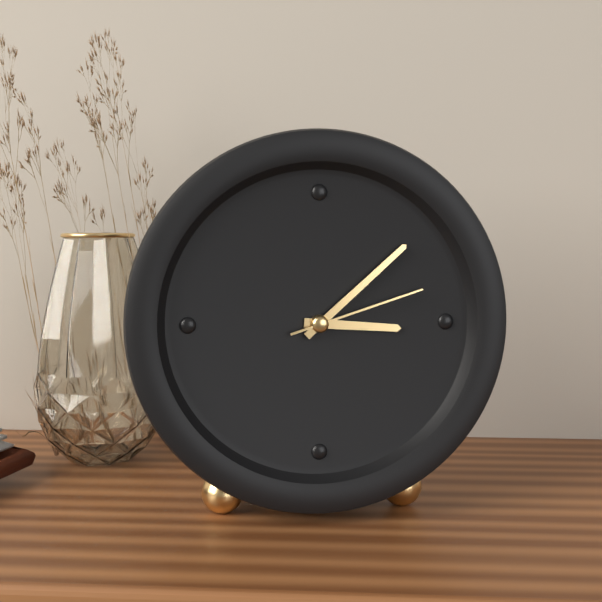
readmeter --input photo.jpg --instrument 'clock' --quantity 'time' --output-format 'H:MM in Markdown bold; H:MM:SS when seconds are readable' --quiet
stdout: **3:08:12**
